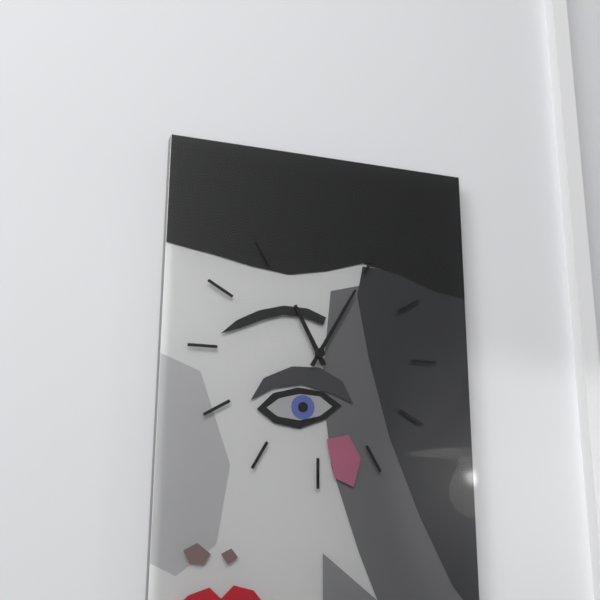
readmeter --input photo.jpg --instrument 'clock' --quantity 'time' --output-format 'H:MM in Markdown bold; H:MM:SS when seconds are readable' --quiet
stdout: **11:05**
